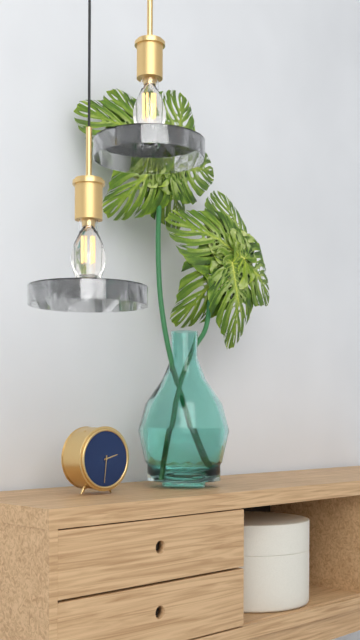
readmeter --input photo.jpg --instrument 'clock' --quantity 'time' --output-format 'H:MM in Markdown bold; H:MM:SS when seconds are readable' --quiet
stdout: **2:31**
